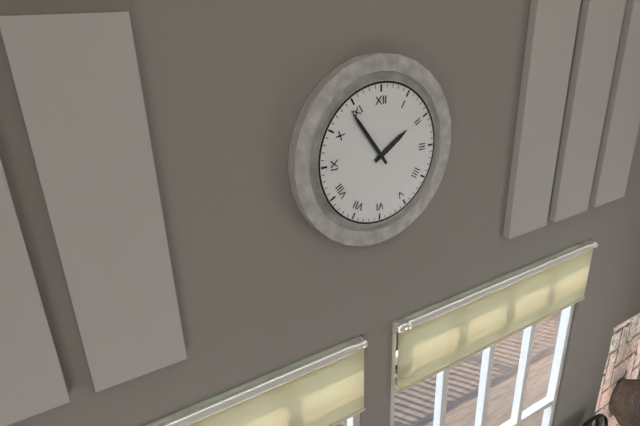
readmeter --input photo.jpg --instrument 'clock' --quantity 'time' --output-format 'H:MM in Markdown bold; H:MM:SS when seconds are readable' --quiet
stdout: **1:54**
